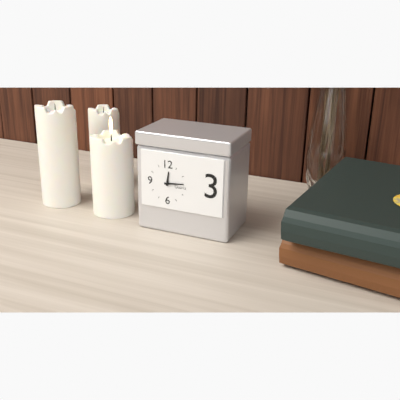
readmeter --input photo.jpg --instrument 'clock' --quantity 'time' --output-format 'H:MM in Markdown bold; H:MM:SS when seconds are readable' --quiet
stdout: **12:14**
